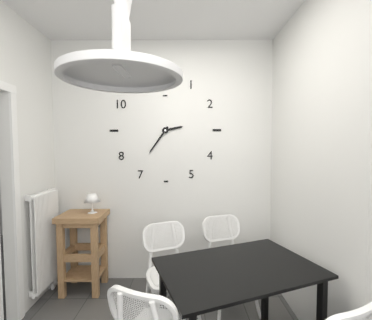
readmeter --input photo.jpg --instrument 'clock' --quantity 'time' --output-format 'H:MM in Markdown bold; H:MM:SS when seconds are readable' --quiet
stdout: **2:36**
